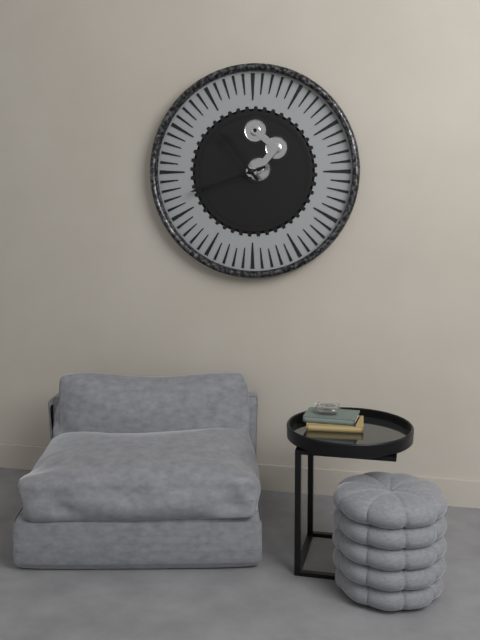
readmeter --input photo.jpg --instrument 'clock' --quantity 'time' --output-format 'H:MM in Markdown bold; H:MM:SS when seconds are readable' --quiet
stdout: **10:42**
